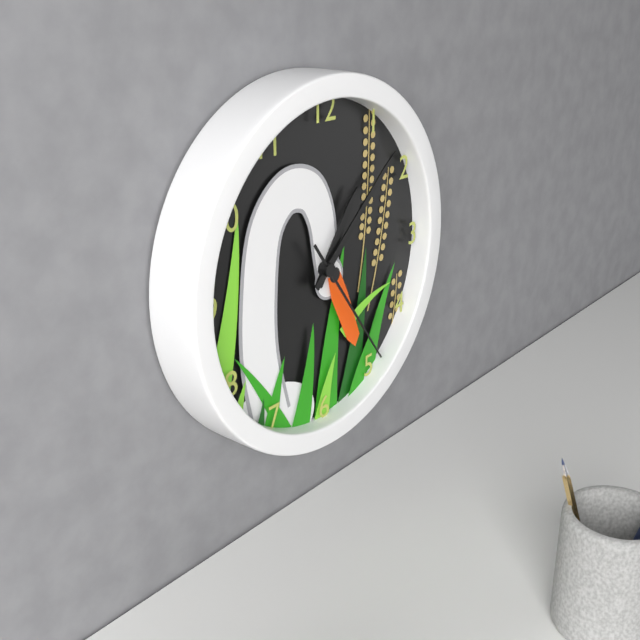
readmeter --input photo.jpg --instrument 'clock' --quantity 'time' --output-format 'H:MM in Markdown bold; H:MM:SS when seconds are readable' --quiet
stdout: **1:08:24**
